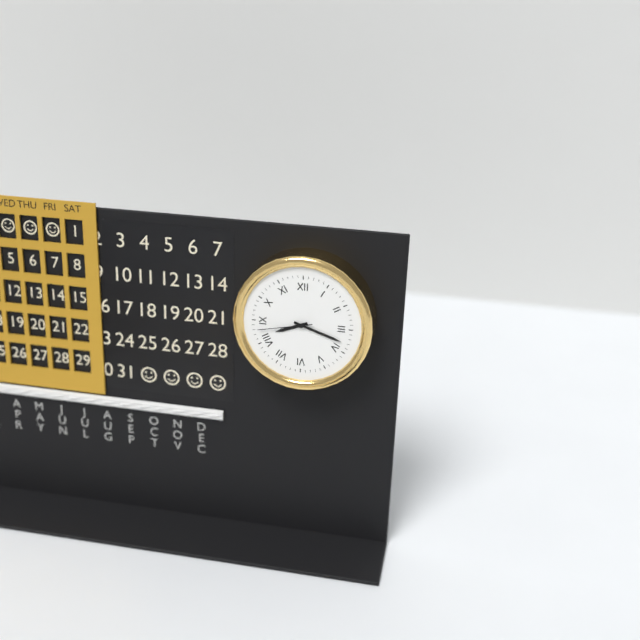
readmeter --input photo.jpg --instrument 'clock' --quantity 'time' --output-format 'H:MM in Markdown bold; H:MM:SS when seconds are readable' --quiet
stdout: **8:18:43**
